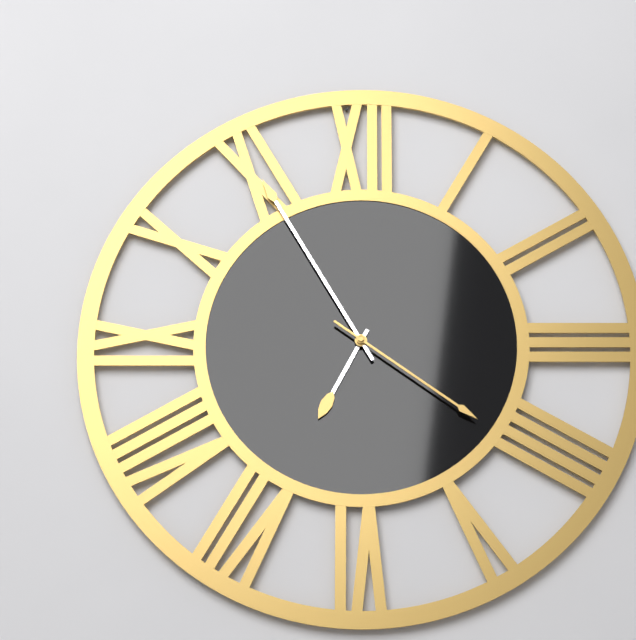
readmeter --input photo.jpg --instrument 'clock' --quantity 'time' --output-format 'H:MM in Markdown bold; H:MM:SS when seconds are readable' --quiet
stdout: **6:55:21**
